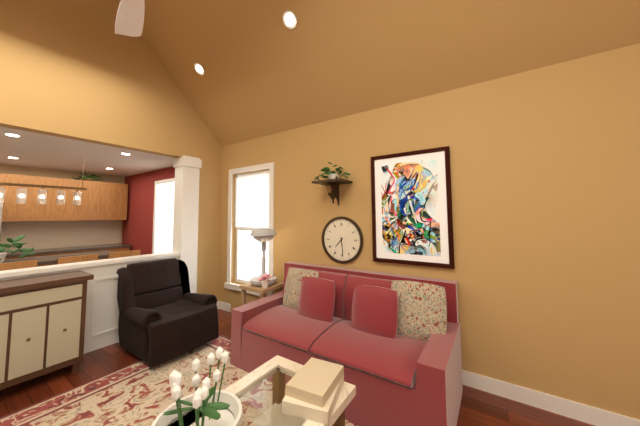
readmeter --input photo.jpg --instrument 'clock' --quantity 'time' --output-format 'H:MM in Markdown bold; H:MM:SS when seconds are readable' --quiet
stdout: **7:29**
